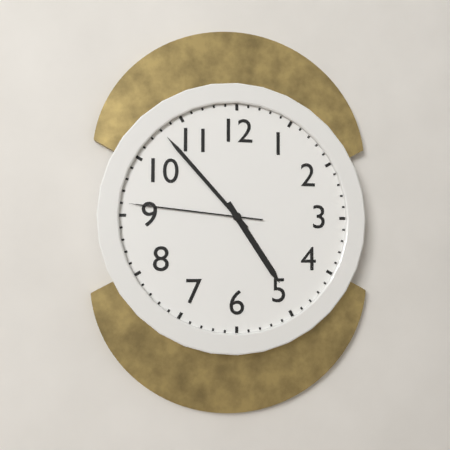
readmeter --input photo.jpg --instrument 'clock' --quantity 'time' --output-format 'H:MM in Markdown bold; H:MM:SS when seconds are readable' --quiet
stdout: **4:53:46**
